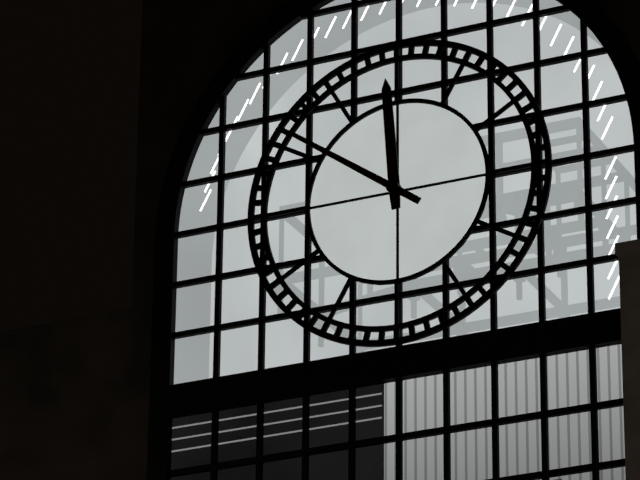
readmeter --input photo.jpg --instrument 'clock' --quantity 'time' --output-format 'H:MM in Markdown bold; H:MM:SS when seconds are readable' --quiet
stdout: **11:51**
